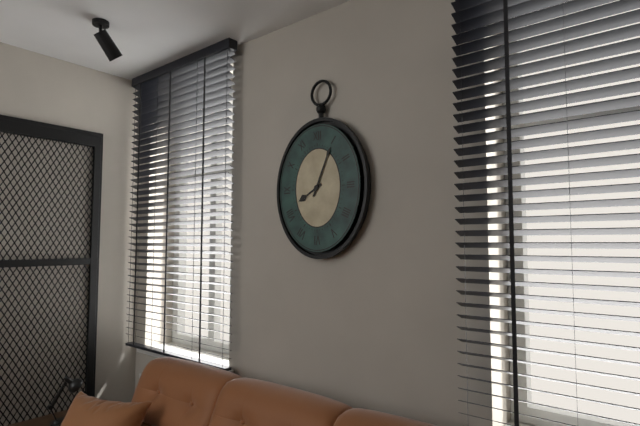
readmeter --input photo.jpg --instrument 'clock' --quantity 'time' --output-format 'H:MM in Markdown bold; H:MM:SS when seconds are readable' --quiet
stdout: **8:04**
